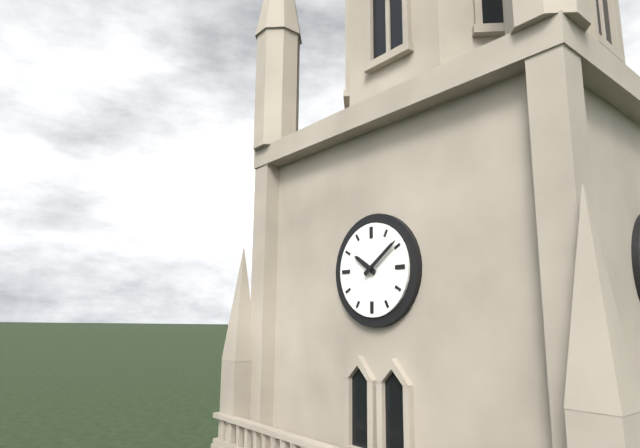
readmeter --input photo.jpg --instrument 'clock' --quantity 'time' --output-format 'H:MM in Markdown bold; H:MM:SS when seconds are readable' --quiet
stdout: **10:09**
